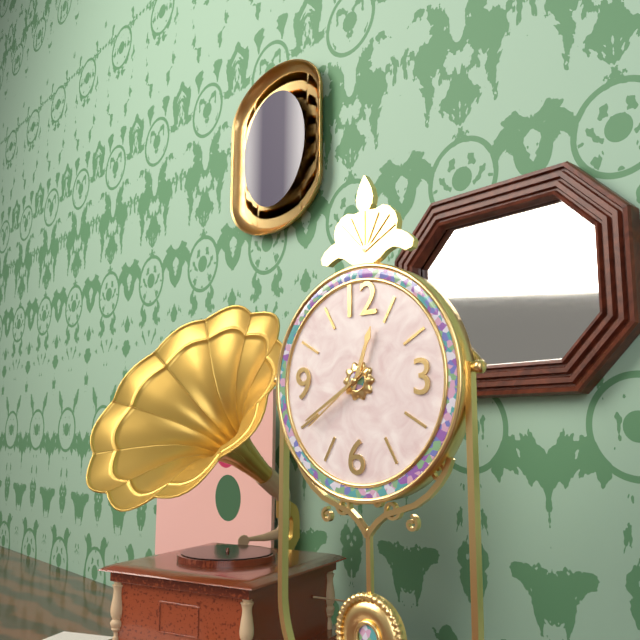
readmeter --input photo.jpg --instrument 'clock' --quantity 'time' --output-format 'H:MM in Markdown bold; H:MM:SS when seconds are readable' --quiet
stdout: **12:40:39**
